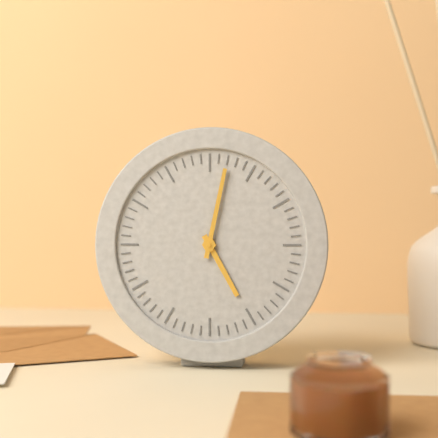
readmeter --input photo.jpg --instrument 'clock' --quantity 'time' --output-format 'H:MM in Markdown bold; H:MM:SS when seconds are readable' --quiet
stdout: **5:02**
